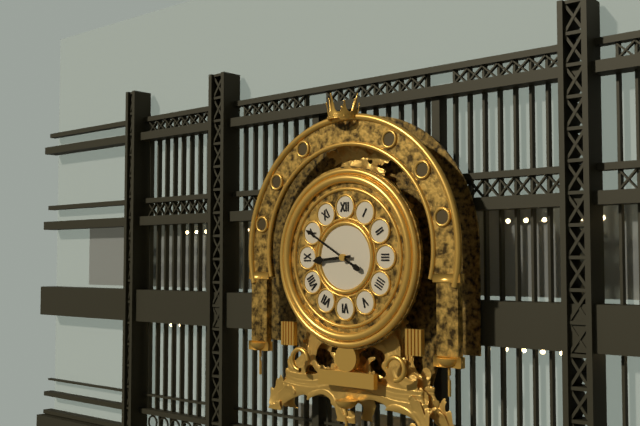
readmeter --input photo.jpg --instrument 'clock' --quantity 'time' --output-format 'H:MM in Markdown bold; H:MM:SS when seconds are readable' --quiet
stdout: **8:50**
